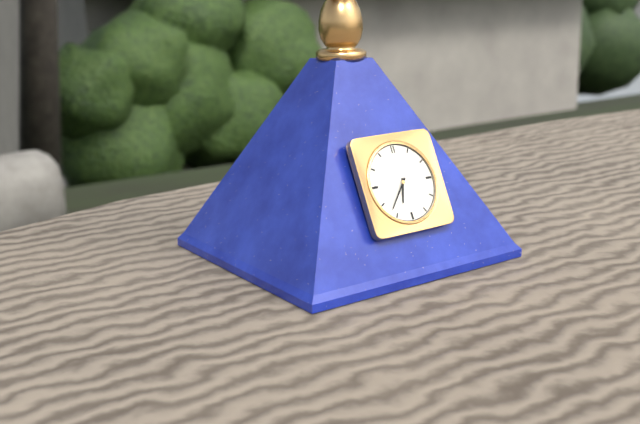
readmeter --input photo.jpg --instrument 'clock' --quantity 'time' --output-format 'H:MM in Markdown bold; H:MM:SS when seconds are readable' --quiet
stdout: **6:37**
